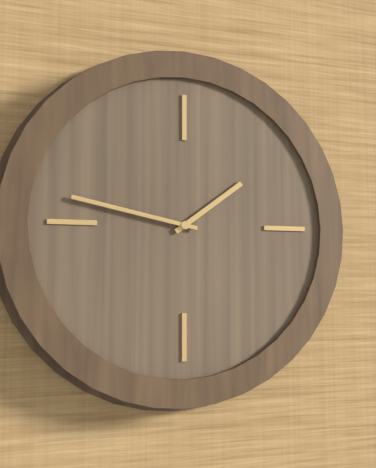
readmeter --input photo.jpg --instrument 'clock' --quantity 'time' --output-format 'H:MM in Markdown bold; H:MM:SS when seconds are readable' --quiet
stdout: **1:47**
